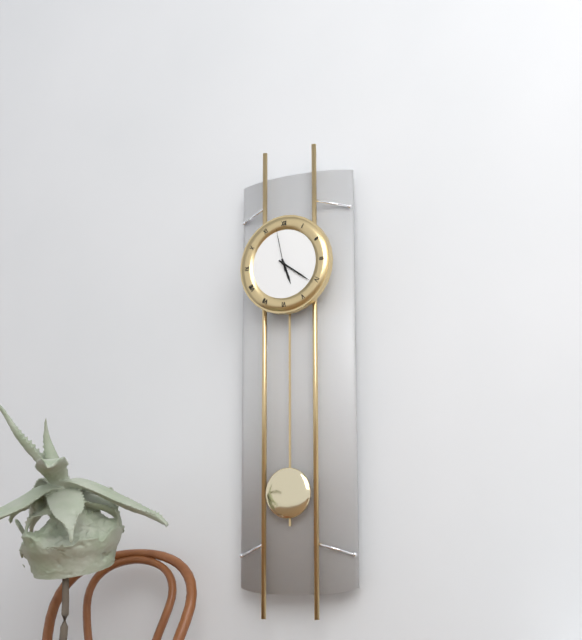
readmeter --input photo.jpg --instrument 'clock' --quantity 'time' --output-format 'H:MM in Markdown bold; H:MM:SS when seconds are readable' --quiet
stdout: **5:21**
